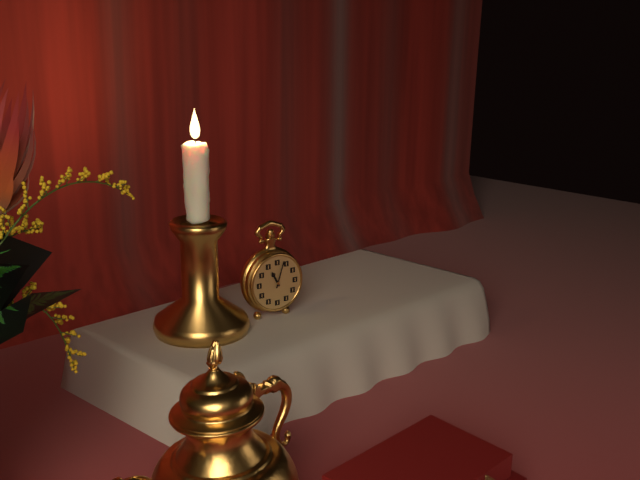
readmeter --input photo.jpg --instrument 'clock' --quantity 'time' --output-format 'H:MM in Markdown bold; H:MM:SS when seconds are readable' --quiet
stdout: **11:03**
